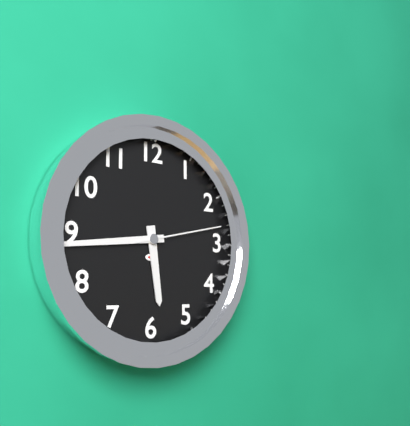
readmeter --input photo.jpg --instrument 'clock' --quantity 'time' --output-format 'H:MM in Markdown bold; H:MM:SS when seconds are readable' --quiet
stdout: **5:44:13**
